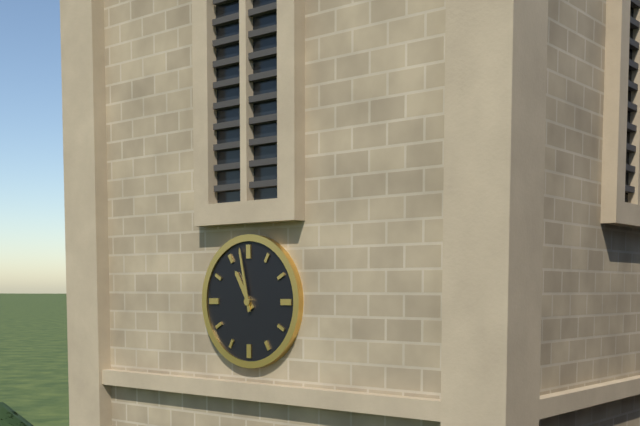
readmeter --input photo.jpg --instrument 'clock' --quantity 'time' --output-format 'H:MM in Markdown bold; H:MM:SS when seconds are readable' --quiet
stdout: **10:58**
